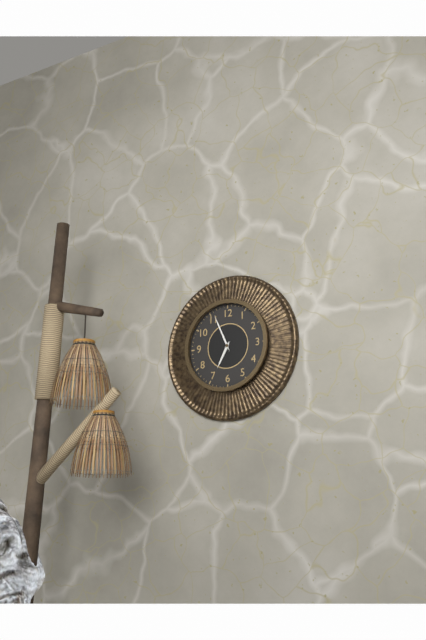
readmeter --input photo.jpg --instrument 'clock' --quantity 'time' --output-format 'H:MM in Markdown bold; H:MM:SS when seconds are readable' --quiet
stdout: **6:56**
